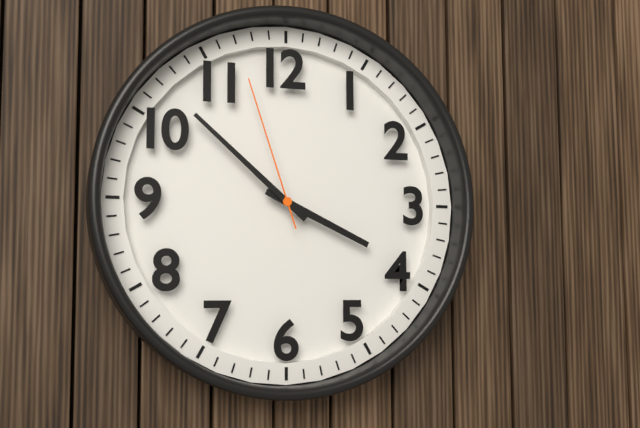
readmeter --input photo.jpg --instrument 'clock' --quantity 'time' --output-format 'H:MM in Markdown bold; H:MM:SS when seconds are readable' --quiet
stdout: **3:52:57**
